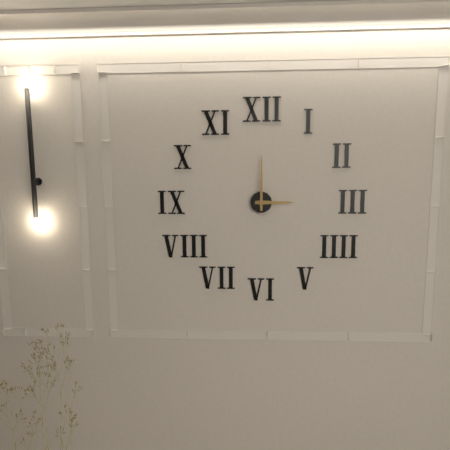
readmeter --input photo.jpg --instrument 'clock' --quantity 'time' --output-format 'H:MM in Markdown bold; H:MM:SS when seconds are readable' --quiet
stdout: **3:00**
